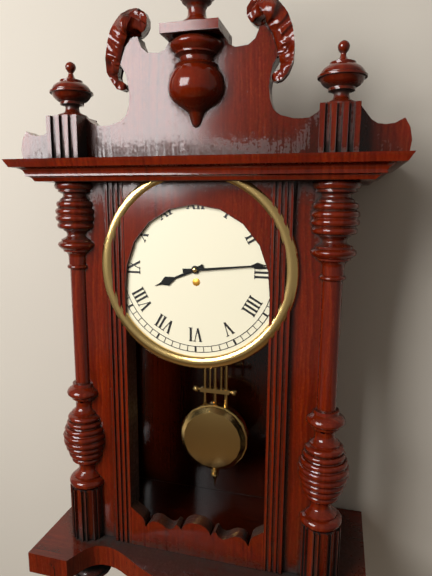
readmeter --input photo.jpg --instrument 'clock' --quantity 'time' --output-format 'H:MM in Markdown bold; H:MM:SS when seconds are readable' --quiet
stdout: **8:14**
